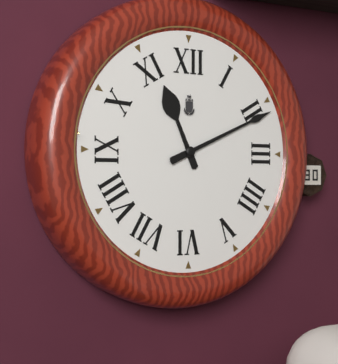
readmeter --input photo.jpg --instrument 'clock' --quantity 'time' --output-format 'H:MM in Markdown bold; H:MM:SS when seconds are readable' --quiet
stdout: **11:11**
